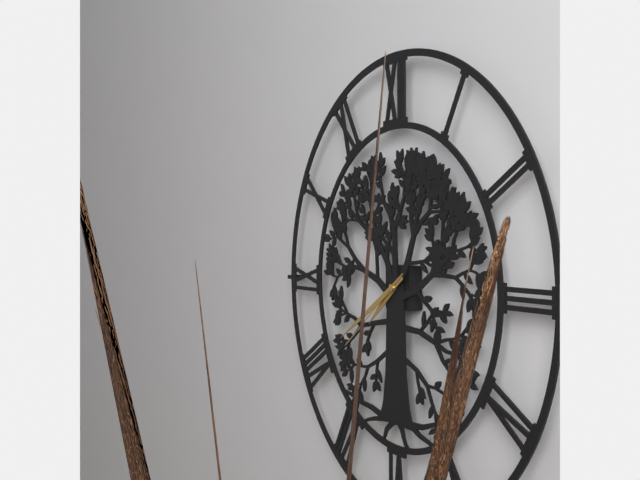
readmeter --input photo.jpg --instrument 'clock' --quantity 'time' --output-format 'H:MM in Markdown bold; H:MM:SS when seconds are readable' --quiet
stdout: **7:40:39**
